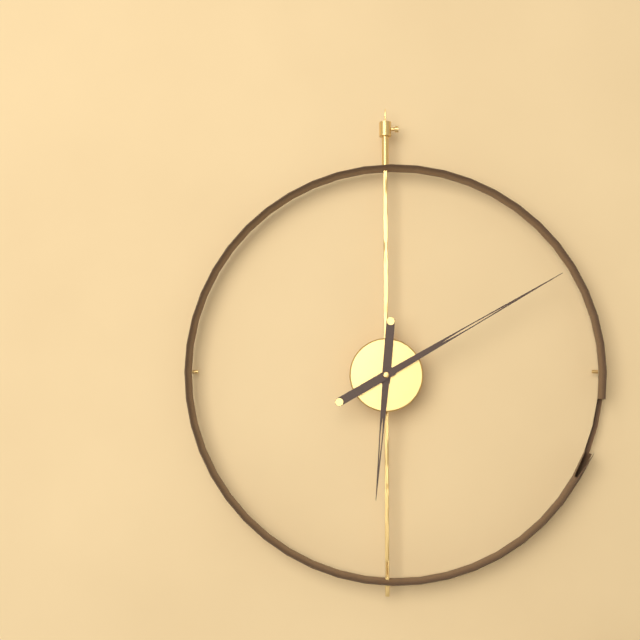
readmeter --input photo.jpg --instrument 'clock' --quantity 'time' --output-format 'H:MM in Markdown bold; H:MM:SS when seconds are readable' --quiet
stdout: **6:10**
